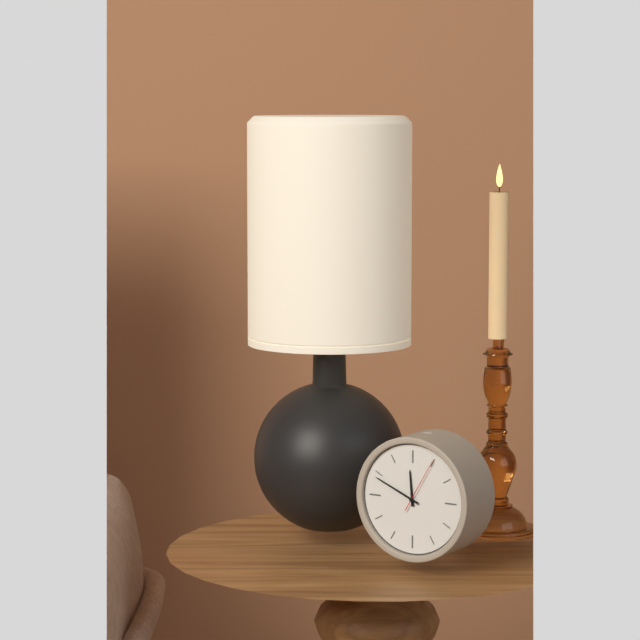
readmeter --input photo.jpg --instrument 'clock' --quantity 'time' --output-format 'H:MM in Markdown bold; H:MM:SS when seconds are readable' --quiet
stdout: **11:49:05**
